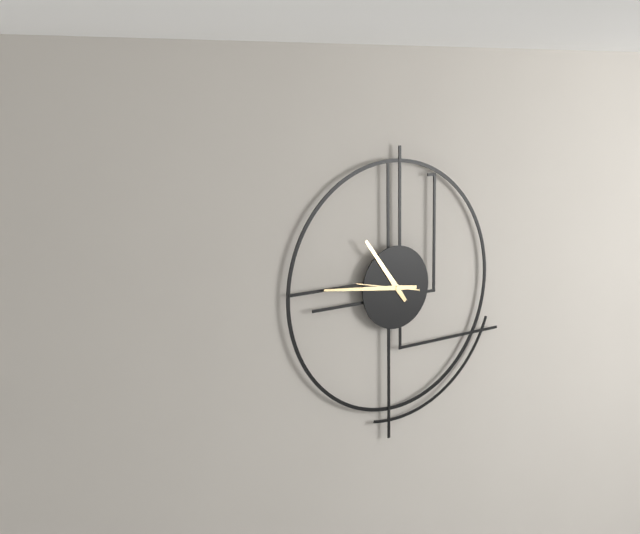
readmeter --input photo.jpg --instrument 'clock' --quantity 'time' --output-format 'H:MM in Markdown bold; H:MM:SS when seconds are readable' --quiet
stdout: **10:46**
